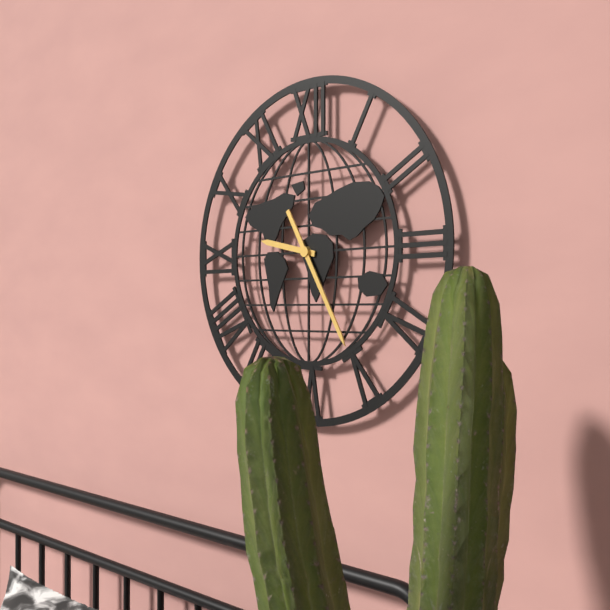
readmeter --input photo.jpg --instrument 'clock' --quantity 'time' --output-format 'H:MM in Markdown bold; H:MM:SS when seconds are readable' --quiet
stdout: **9:25**
